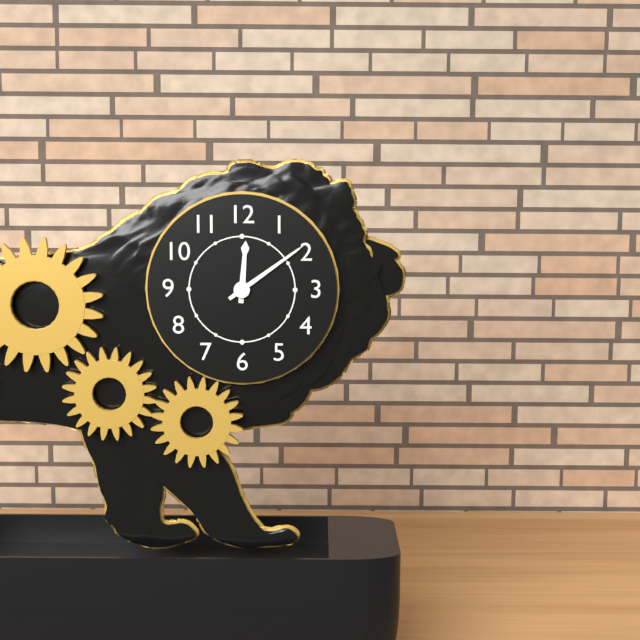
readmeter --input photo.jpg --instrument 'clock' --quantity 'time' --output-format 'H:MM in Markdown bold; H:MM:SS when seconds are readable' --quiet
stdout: **12:09**
